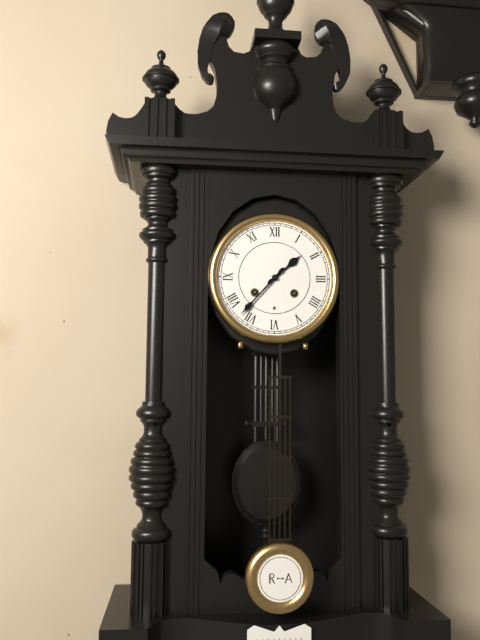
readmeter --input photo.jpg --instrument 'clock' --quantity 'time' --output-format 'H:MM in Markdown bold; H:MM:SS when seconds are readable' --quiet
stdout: **1:37**
